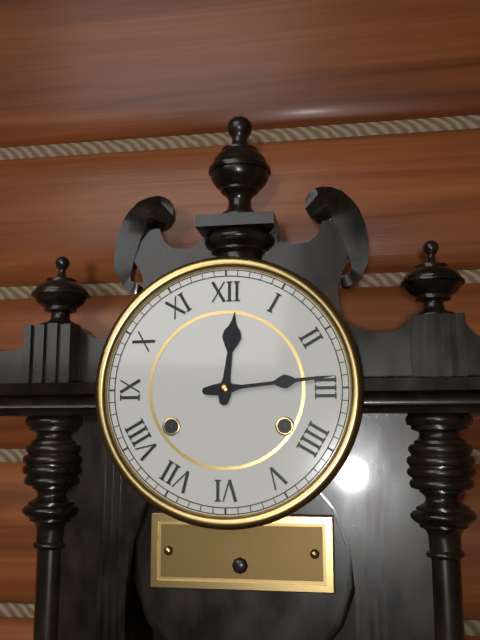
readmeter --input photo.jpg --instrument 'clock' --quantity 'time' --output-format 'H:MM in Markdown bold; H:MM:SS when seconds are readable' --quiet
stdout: **12:14**
